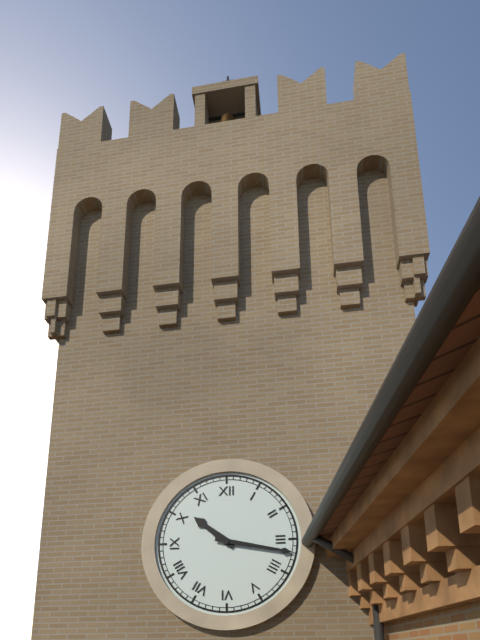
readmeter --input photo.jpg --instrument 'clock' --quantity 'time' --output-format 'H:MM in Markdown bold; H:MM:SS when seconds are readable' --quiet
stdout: **10:17**
